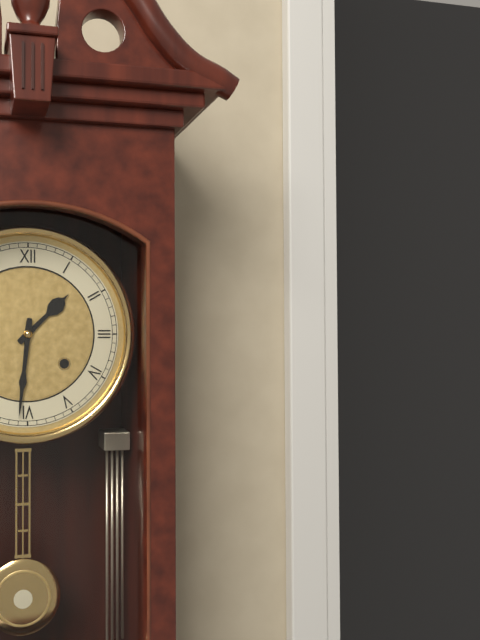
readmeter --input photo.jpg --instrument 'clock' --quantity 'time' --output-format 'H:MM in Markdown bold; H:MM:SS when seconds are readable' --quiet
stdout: **1:31**
